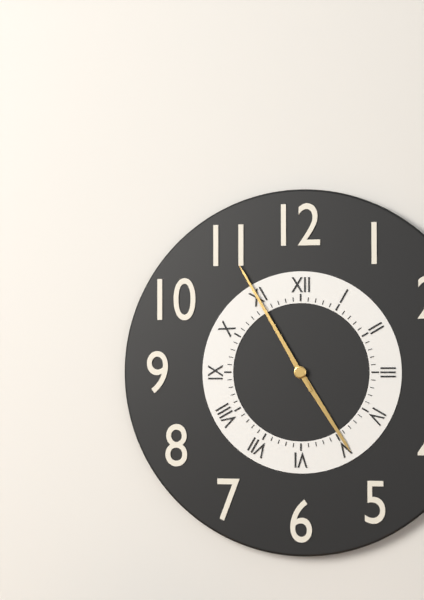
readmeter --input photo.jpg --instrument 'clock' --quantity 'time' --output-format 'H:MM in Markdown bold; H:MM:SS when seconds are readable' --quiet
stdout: **4:55**
